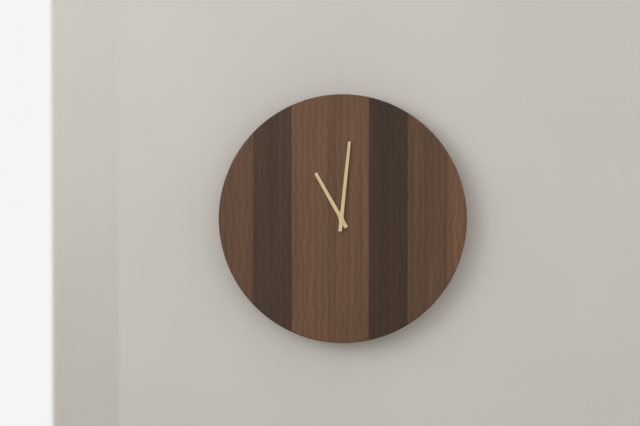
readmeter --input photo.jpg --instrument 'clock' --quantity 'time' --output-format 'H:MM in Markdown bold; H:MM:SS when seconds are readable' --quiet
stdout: **11:01**
